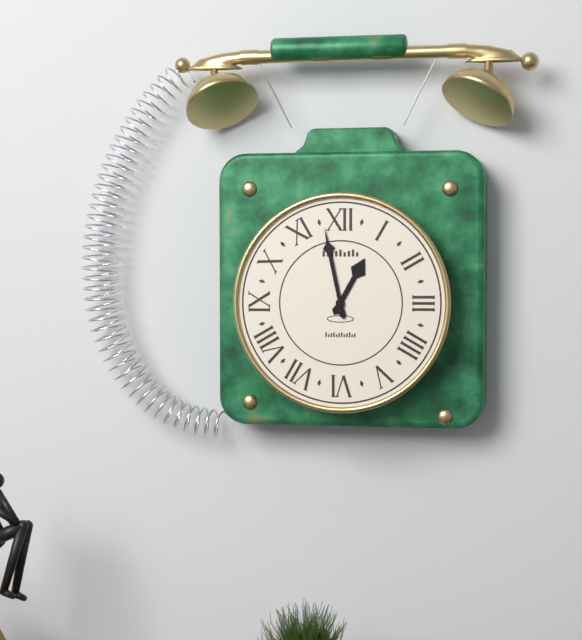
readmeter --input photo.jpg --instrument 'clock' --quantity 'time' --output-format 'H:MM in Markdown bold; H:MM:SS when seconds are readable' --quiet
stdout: **12:58**
